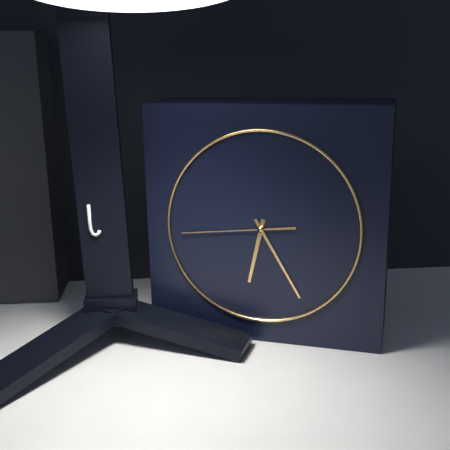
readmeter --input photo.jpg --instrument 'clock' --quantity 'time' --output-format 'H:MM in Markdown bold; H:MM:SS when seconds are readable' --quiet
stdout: **6:25:44**
